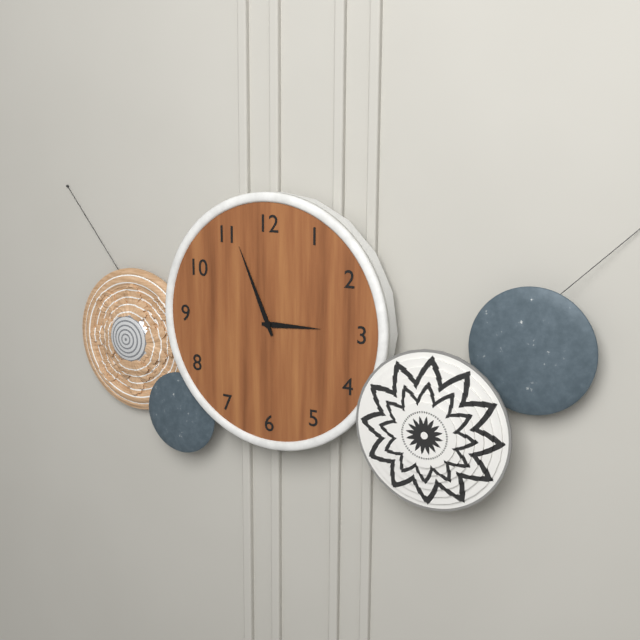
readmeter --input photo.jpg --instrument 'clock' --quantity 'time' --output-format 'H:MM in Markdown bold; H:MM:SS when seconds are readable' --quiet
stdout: **2:56**
